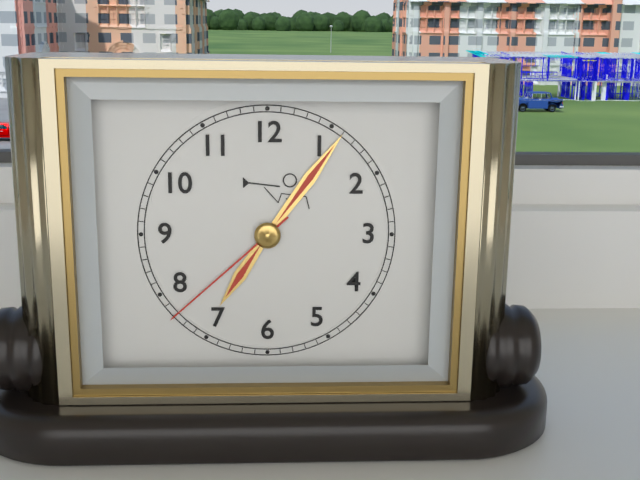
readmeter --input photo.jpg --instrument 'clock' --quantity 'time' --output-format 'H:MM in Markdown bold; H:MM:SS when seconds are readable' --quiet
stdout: **7:06:38**
